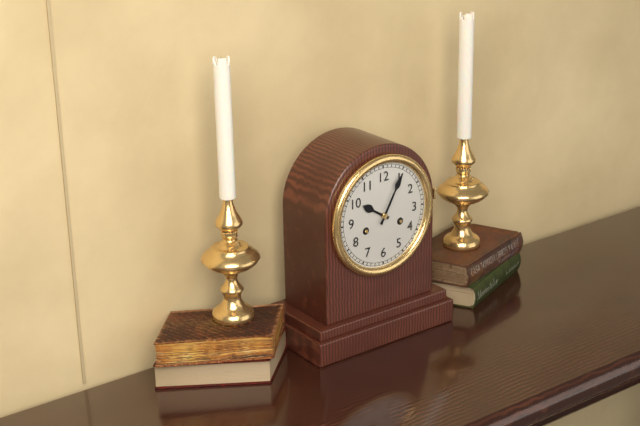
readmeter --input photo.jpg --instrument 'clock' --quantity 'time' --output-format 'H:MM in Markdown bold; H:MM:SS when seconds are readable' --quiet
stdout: **10:05**
